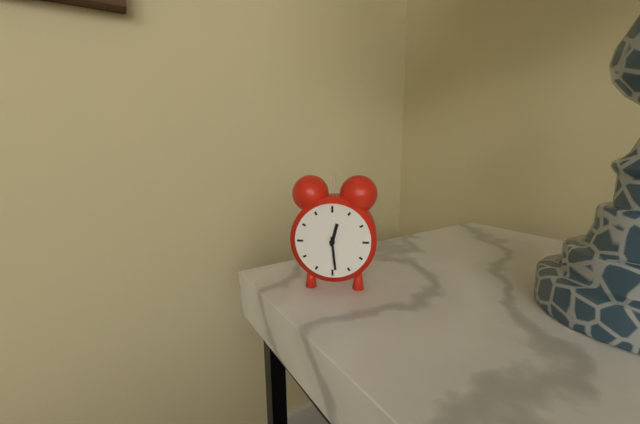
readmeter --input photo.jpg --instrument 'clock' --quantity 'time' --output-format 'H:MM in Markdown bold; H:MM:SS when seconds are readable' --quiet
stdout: **12:29**
